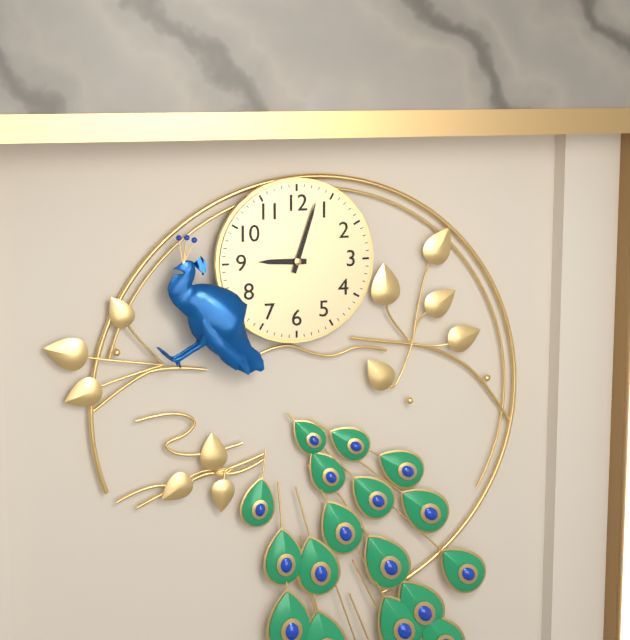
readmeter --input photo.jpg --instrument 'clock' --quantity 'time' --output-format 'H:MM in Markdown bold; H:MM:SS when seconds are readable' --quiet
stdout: **9:03**
